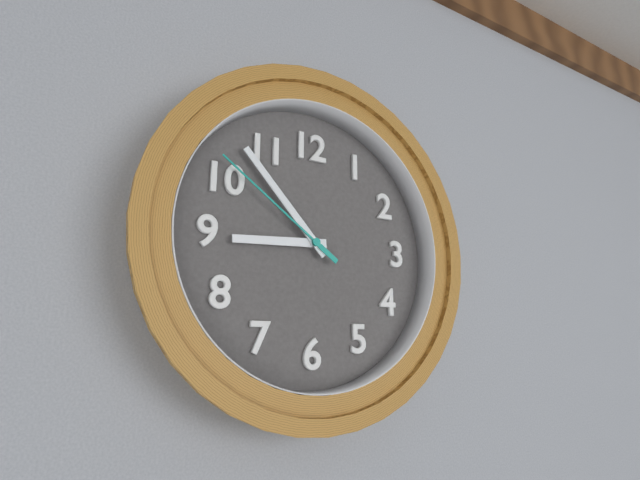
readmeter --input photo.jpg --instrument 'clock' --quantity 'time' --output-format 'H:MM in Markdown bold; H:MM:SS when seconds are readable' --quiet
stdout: **8:53:51**
